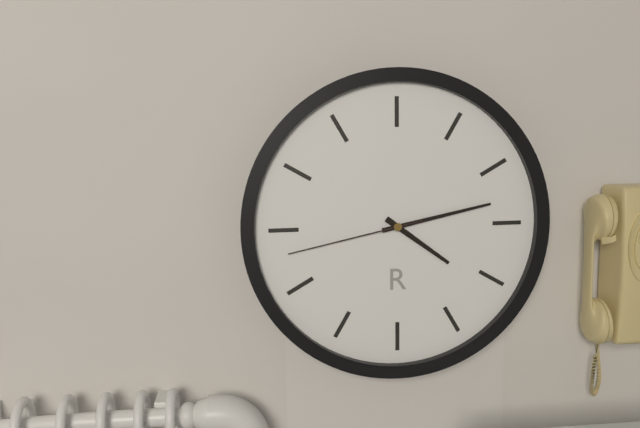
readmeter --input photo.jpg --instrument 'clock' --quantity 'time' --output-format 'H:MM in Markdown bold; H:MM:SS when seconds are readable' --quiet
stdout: **4:13:43**
